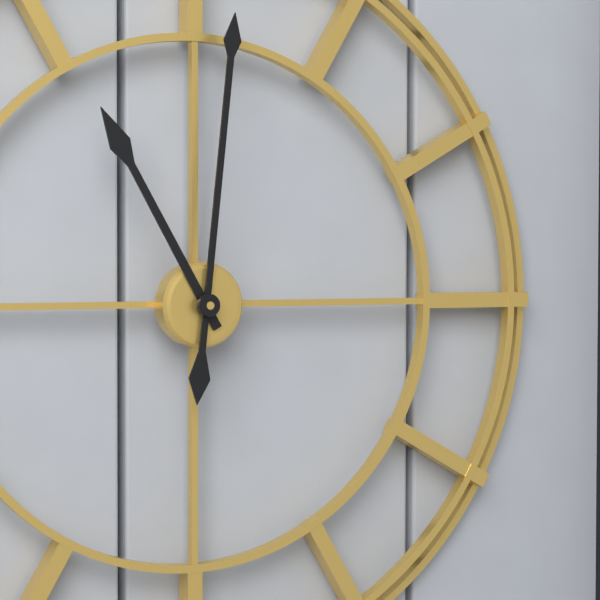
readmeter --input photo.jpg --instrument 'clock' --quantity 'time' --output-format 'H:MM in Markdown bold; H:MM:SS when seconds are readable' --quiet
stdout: **11:01**
